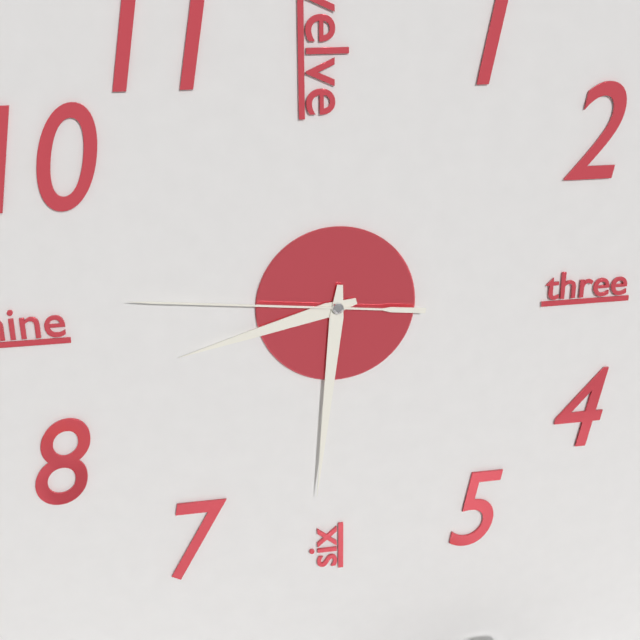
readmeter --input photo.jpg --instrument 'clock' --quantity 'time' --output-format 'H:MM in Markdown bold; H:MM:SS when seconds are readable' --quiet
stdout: **8:31:46**
